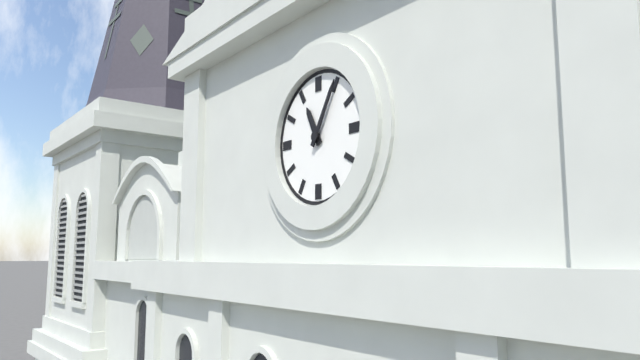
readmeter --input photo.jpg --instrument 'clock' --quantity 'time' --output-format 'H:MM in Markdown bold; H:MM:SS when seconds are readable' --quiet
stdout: **11:05**
